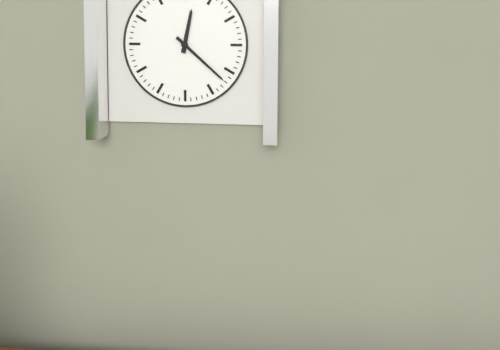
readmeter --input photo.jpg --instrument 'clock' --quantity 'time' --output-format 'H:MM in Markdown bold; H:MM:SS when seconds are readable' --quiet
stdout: **12:22**
